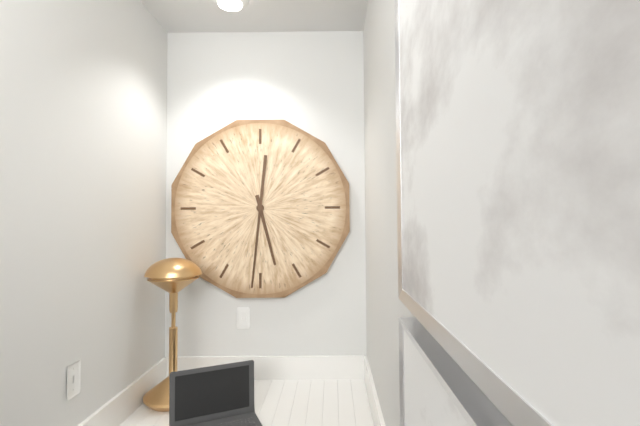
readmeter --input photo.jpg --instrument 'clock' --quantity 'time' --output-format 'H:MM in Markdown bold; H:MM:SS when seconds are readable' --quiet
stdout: **5:31**
